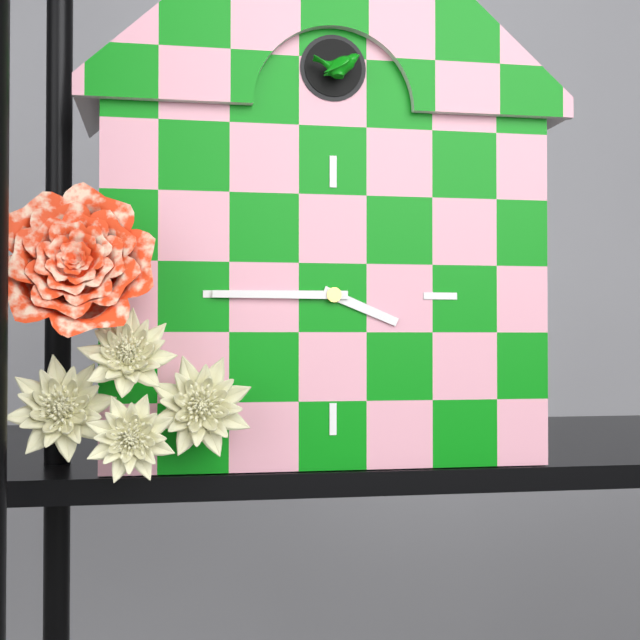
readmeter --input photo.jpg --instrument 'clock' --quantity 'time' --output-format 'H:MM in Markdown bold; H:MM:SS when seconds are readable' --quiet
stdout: **3:45**
